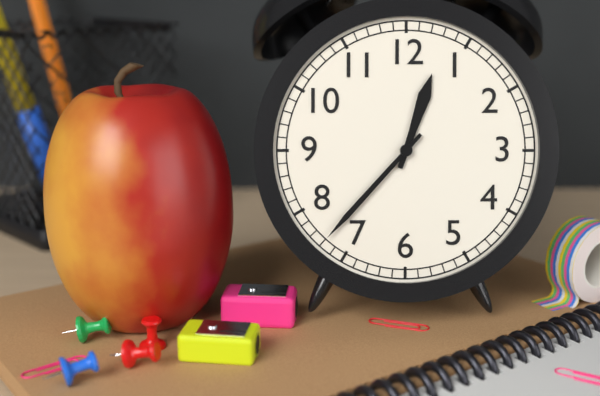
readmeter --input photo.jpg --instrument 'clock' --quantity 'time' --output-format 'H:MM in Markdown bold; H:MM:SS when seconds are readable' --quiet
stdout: **12:37**
